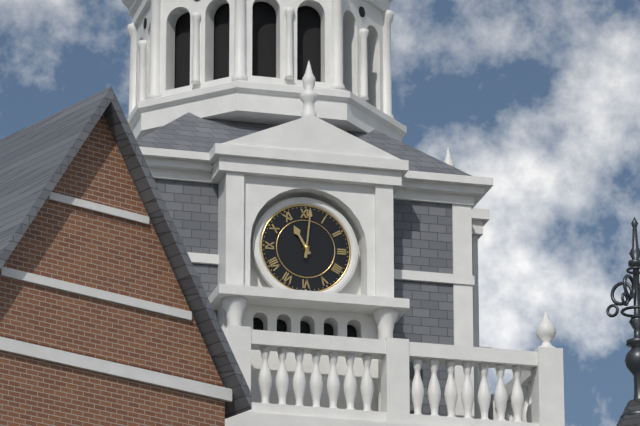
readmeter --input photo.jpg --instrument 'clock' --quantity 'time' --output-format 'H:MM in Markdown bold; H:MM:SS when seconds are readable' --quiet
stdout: **11:01**
